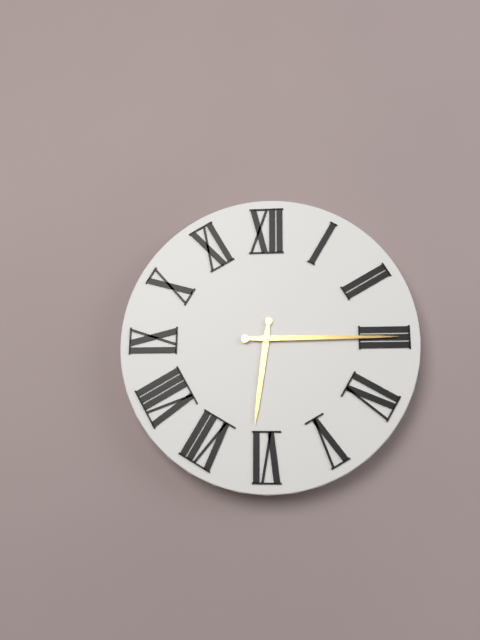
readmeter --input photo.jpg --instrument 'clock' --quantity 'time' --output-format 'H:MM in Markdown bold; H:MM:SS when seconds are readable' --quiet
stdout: **6:15**
